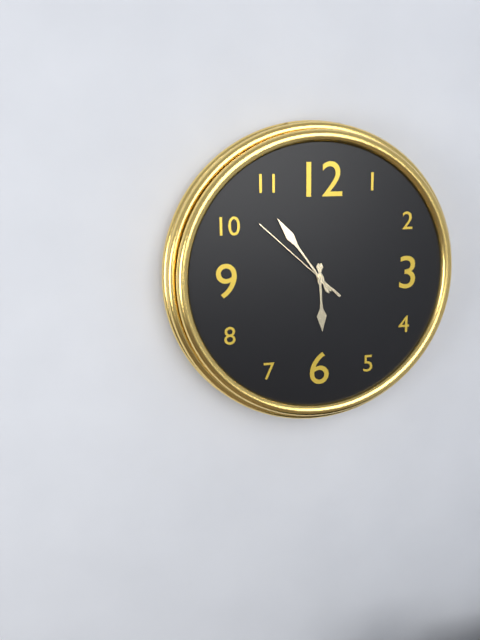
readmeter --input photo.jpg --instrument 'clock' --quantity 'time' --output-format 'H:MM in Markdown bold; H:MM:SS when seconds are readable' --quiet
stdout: **5:54:52**
